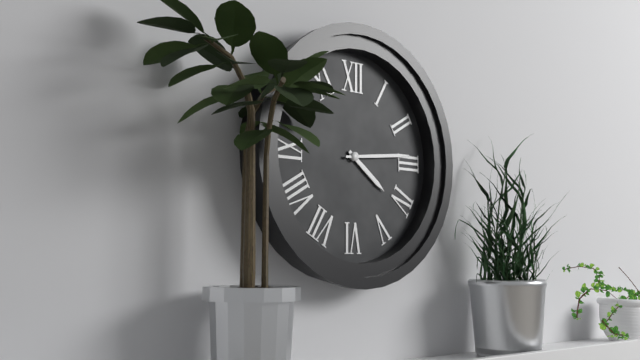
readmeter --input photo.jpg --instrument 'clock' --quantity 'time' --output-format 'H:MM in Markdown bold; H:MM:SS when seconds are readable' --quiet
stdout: **4:14**
